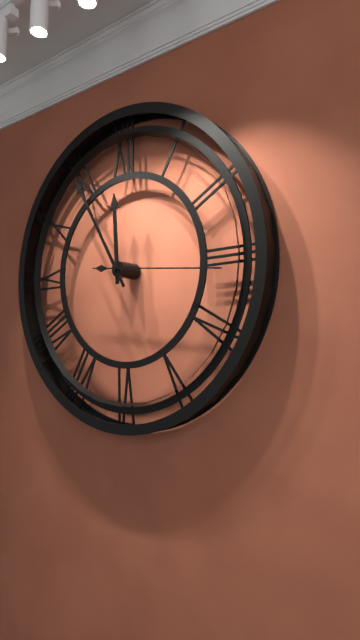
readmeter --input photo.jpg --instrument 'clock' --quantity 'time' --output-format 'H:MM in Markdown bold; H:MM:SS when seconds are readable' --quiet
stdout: **11:55:16**
